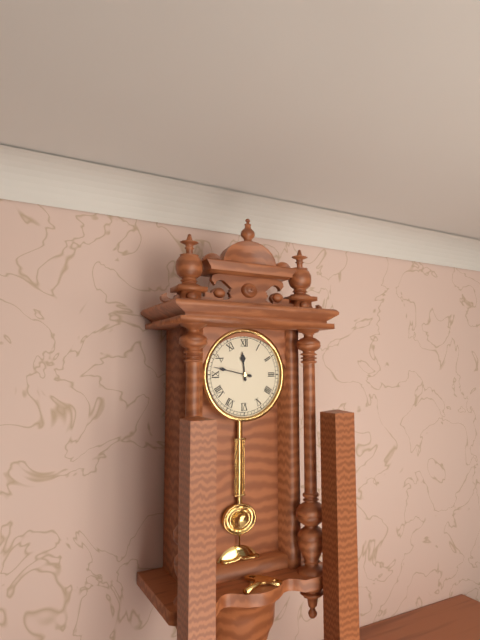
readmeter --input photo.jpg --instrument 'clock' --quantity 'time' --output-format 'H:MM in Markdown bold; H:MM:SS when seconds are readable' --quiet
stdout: **11:47**
